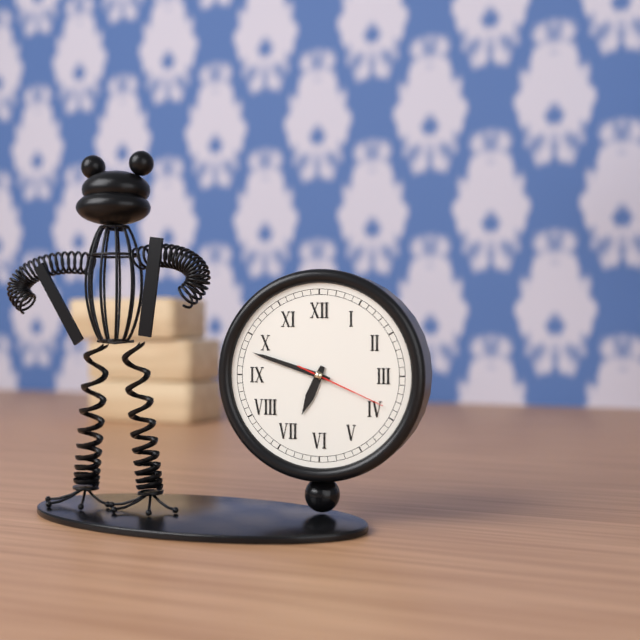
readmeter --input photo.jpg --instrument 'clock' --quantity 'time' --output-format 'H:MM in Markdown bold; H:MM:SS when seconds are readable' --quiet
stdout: **6:48:19**
